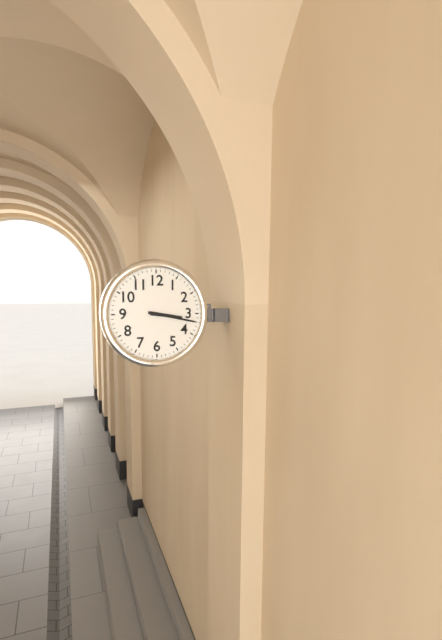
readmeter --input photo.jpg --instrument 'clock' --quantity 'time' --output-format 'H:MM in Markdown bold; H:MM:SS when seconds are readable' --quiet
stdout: **3:17**
